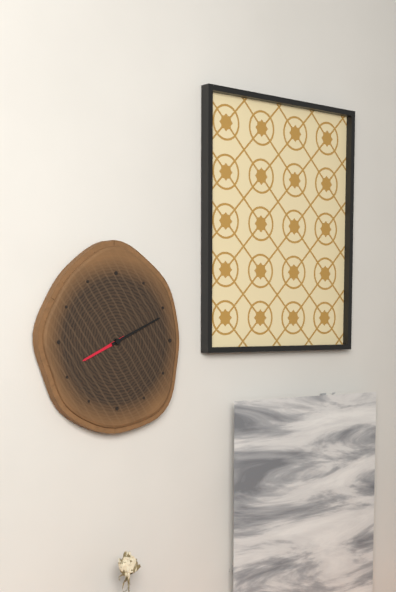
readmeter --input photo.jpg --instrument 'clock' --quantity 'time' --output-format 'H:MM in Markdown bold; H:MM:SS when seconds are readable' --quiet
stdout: **8:11**
